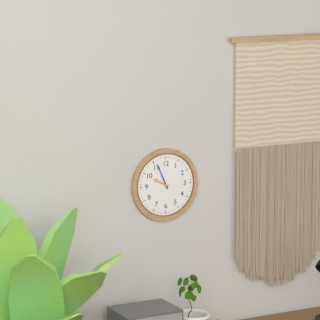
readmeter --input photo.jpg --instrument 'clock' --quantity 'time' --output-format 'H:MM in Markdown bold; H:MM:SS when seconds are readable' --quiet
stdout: **9:56**
